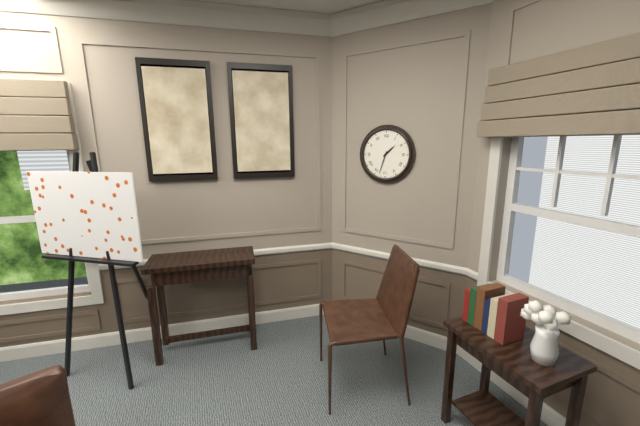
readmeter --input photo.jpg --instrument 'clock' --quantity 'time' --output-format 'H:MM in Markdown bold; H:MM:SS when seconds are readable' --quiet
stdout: **1:33**
